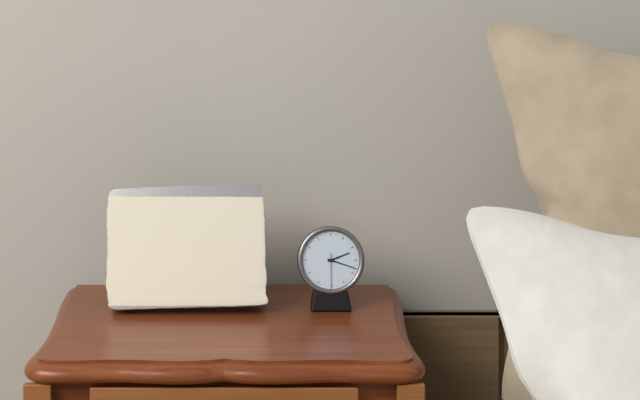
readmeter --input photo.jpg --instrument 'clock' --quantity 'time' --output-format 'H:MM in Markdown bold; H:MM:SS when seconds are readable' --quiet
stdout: **2:18**
